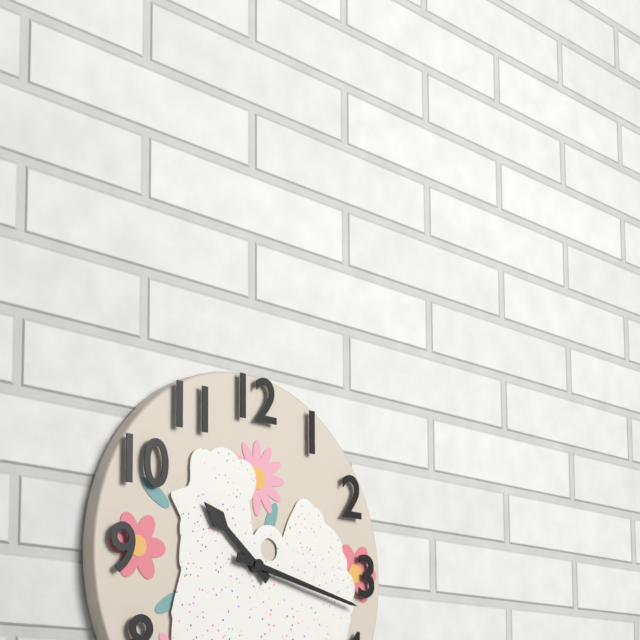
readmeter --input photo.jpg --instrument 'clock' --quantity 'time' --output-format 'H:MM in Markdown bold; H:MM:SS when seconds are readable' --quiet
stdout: **10:17**
